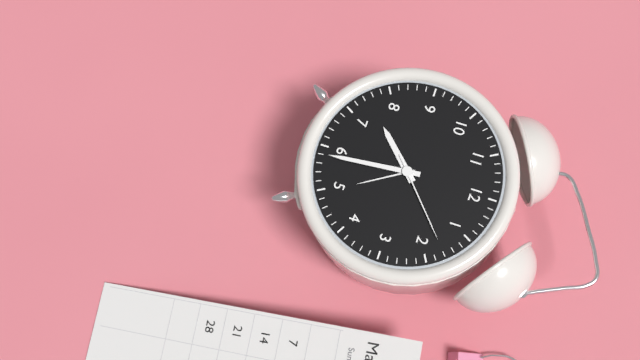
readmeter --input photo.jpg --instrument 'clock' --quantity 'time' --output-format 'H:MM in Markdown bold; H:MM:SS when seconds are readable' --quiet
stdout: **7:29:08**
